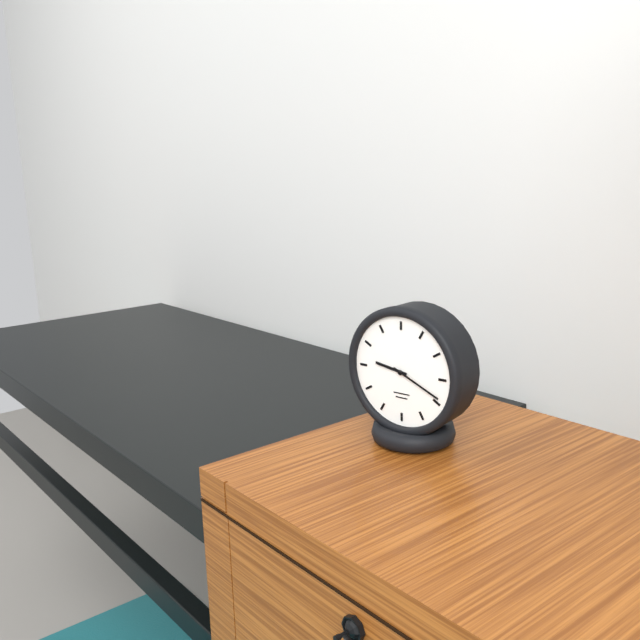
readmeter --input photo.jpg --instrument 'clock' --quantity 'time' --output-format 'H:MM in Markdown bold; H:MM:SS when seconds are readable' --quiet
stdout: **9:19**
